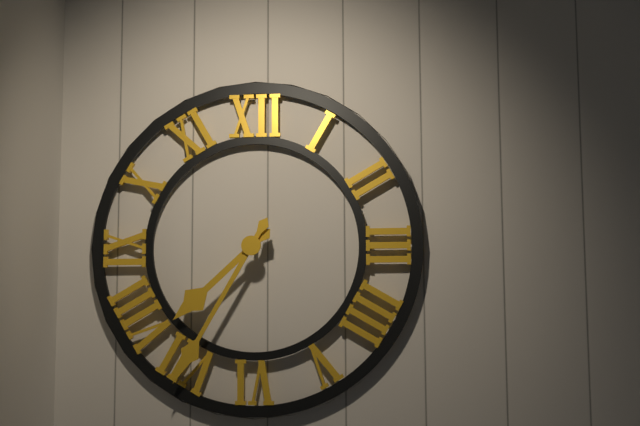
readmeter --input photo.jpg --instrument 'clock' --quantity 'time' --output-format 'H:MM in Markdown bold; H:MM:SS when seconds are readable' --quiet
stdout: **7:35**
